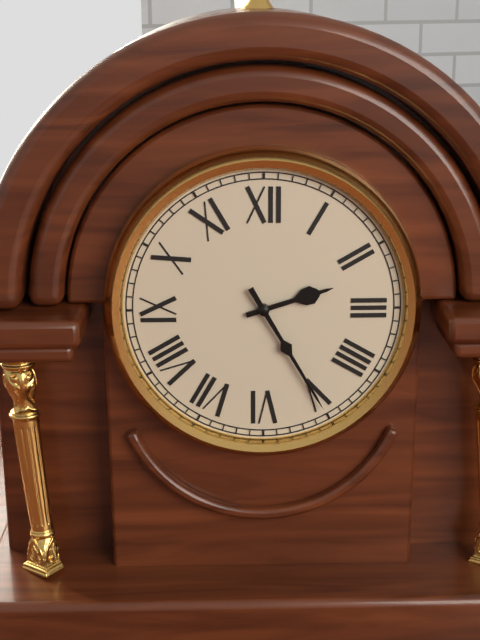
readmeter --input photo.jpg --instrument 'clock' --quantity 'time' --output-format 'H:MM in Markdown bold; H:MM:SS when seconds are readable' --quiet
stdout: **2:25**
